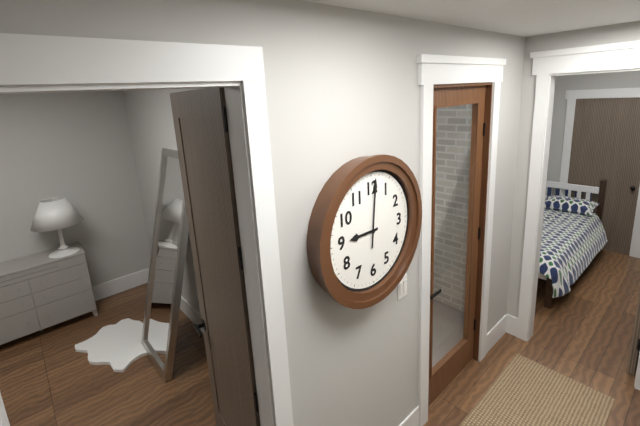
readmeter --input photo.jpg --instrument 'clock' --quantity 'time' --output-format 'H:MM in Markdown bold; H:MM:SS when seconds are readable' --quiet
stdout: **9:01**
